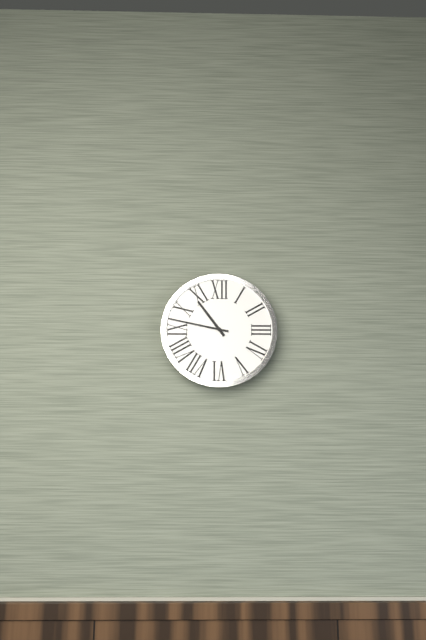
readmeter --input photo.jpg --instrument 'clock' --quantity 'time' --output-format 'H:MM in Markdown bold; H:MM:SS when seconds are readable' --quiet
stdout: **10:47**
